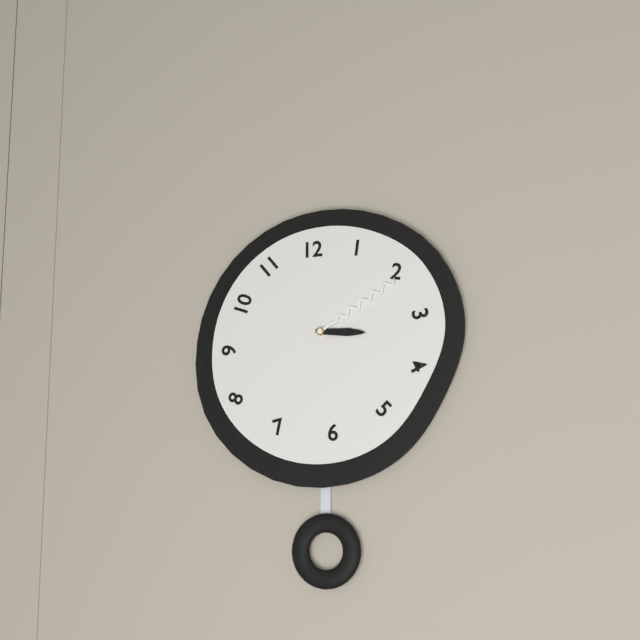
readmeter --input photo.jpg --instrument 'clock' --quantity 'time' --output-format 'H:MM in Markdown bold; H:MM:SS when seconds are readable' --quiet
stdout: **3:10**
